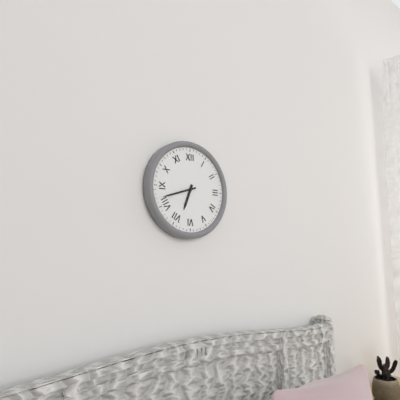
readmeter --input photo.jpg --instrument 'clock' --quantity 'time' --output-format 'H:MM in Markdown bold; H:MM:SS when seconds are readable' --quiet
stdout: **6:42**
